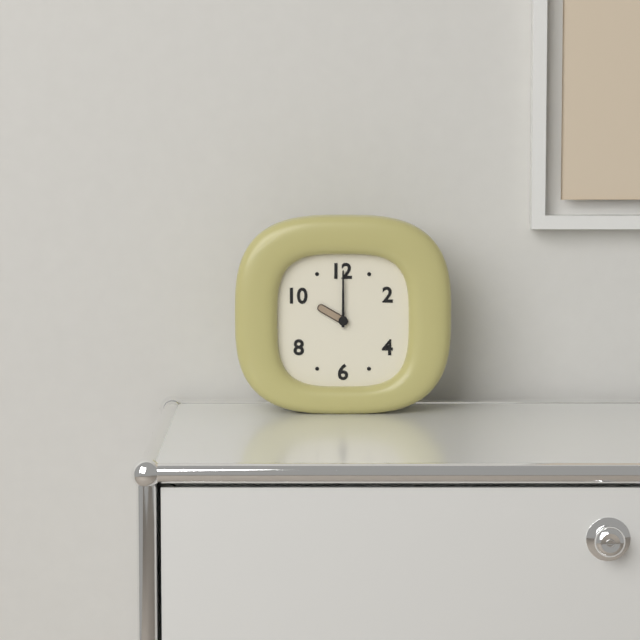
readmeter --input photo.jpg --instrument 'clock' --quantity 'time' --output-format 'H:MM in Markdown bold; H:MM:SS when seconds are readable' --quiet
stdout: **10:00**
